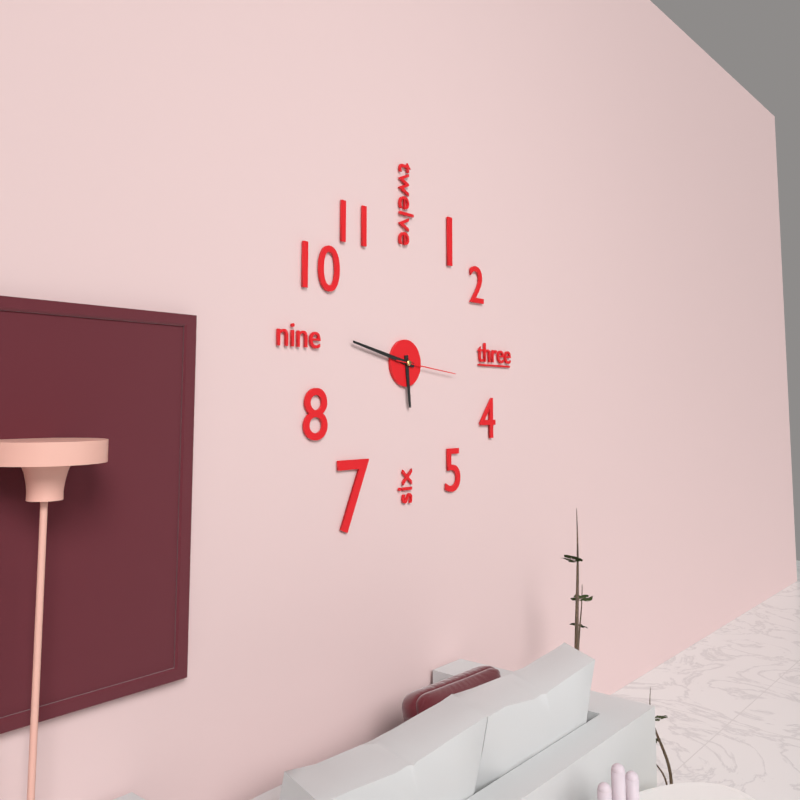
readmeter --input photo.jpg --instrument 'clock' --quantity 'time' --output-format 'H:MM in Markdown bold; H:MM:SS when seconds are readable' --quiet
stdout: **5:47:16**
